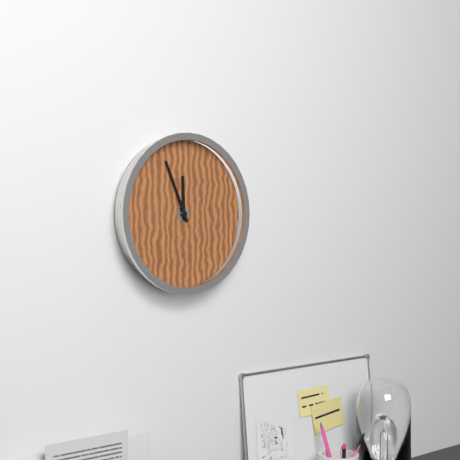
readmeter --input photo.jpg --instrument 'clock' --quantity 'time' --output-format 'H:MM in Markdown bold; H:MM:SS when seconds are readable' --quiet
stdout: **11:56**
